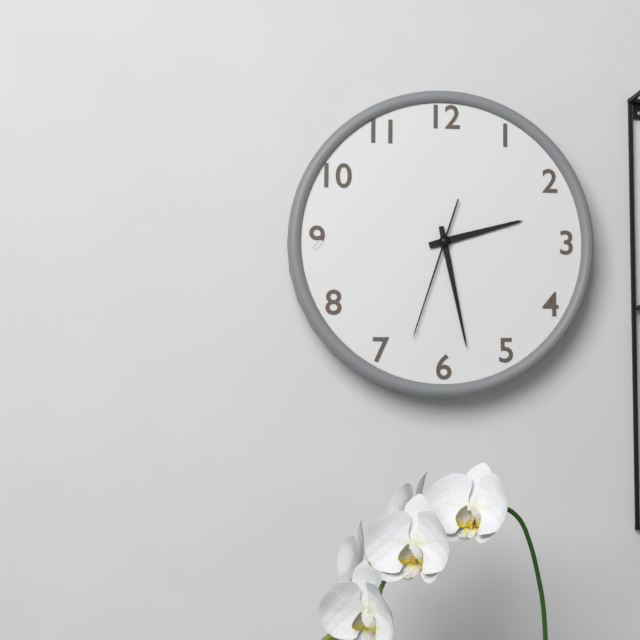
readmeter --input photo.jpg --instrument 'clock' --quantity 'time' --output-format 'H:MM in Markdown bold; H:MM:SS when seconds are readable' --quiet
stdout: **2:28:33**
